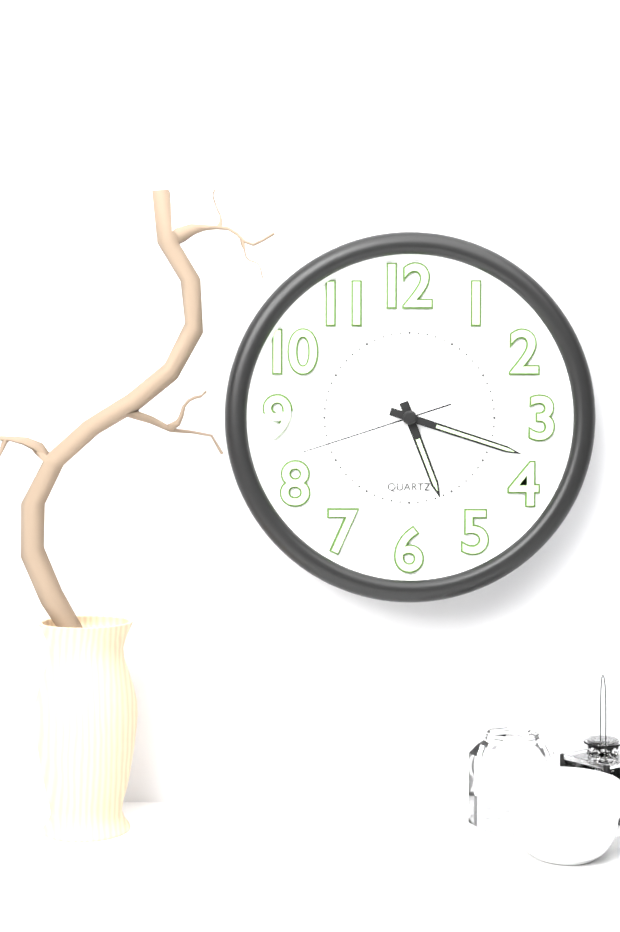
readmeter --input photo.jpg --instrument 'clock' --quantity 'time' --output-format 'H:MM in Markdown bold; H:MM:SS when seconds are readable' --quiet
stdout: **5:18:42**
